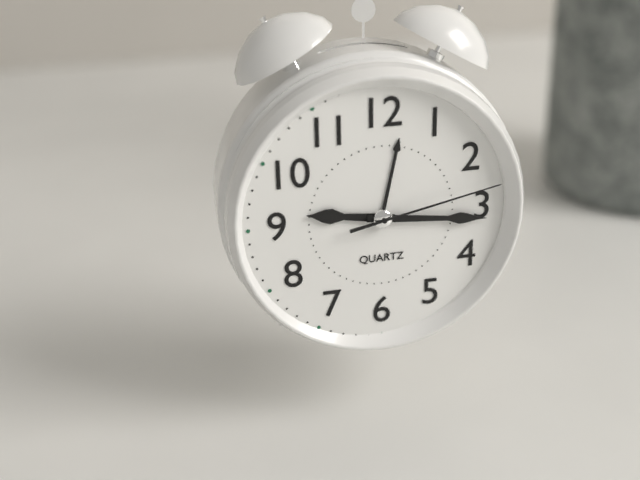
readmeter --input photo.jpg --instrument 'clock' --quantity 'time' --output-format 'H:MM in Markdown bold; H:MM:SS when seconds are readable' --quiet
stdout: **9:16:13**
